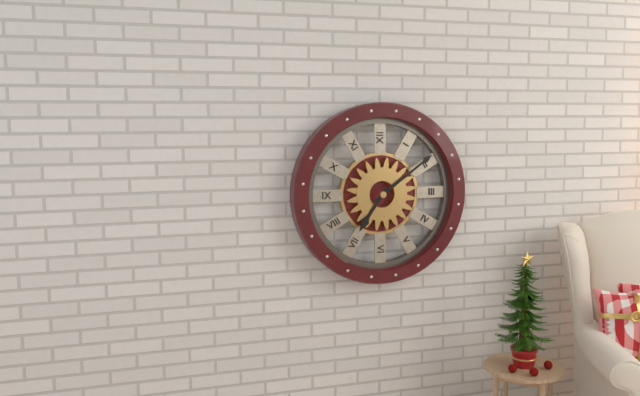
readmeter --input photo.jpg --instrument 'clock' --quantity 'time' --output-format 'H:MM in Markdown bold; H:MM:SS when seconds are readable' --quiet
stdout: **7:09**
